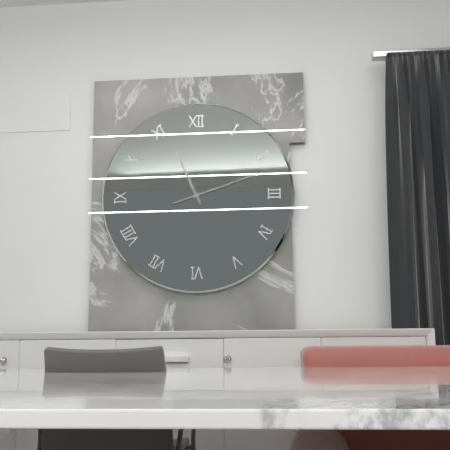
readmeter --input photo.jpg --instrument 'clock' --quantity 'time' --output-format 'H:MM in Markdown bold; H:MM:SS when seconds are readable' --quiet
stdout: **11:12**
